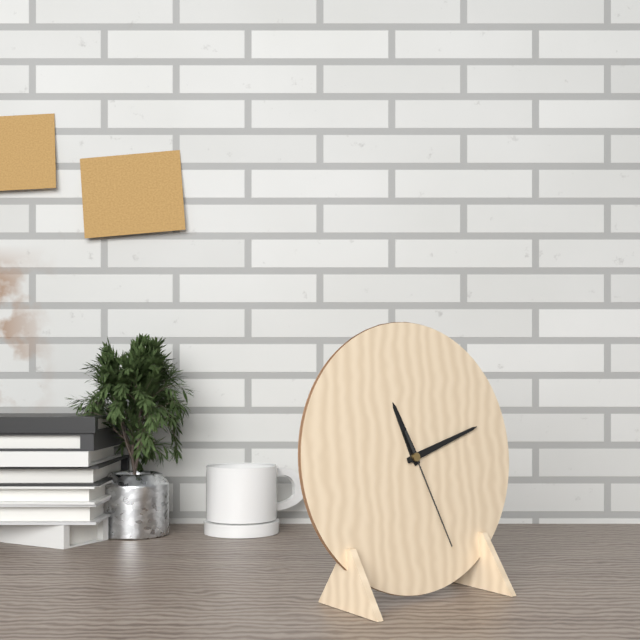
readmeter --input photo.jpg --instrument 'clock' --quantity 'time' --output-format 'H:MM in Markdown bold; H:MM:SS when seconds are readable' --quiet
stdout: **11:12:26**
